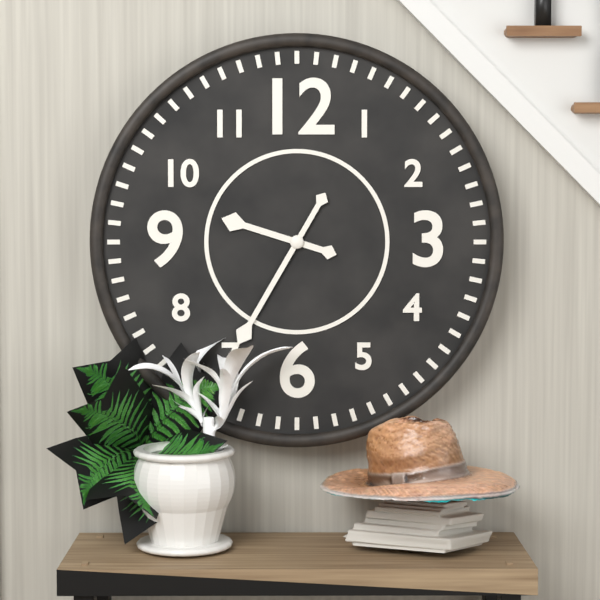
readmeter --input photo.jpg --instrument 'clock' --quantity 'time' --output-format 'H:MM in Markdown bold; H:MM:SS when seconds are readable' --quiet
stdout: **9:35**
